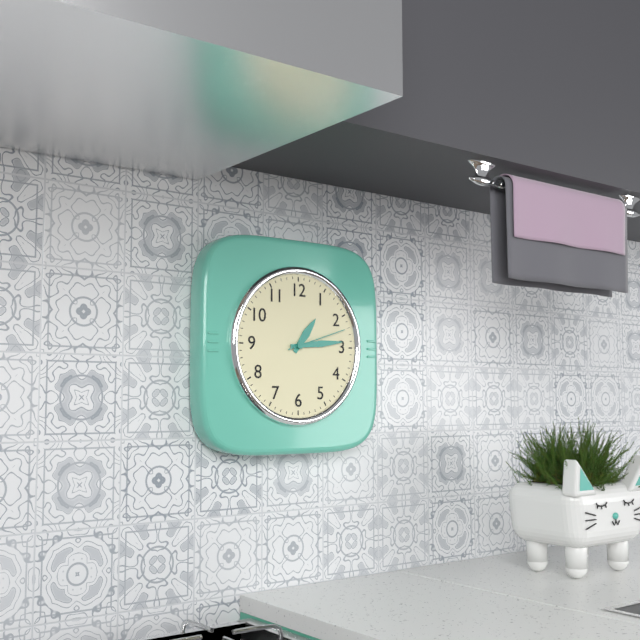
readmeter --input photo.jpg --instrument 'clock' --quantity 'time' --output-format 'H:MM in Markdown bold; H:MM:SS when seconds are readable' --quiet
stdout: **1:14:12**
